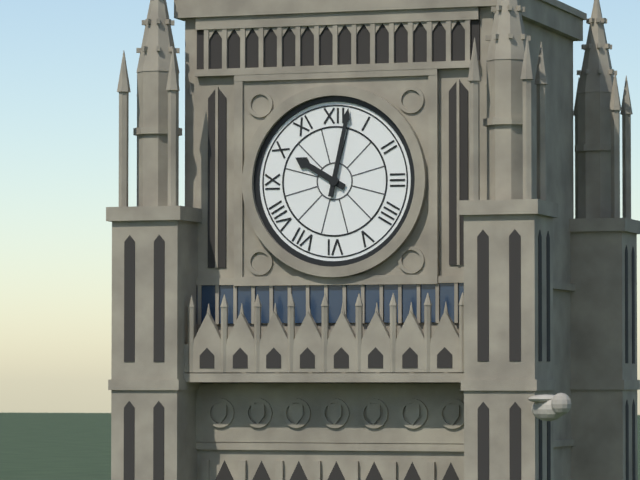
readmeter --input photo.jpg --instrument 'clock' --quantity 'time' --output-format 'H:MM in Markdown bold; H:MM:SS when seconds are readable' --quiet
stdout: **10:02**
